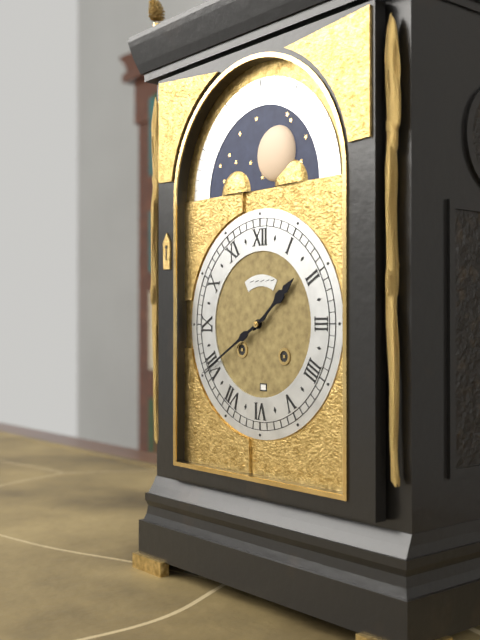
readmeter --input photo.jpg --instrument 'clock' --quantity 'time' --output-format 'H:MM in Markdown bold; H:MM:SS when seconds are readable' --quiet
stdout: **1:40**
